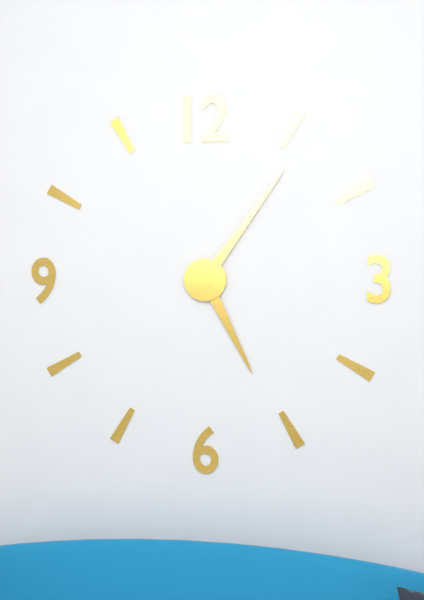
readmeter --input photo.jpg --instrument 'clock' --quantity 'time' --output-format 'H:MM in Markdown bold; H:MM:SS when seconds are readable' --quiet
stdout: **5:06**
